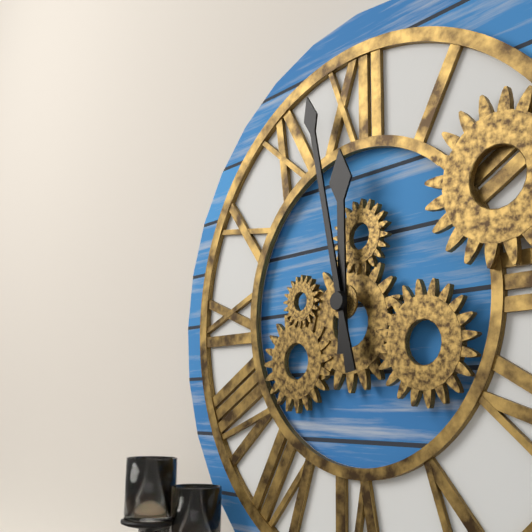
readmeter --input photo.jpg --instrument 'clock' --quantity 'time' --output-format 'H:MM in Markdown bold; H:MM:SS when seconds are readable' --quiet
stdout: **11:58**
